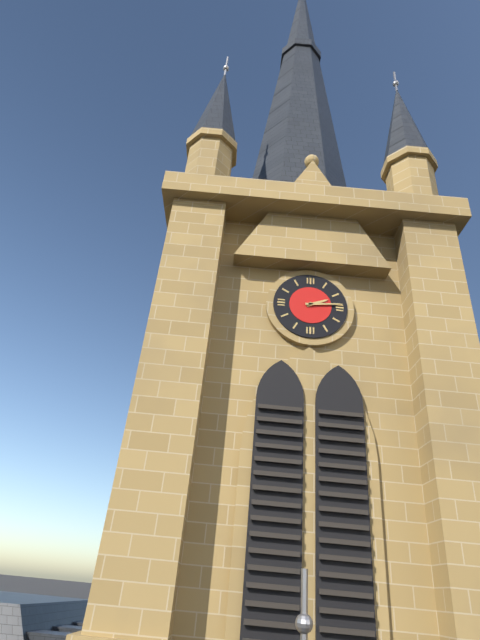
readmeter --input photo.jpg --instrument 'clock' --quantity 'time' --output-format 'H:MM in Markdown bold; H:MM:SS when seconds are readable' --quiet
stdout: **2:14**
